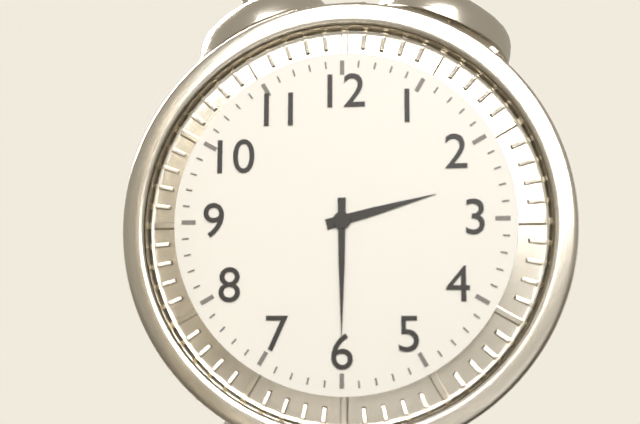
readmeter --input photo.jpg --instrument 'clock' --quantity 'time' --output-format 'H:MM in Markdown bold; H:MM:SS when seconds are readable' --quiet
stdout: **2:30**
